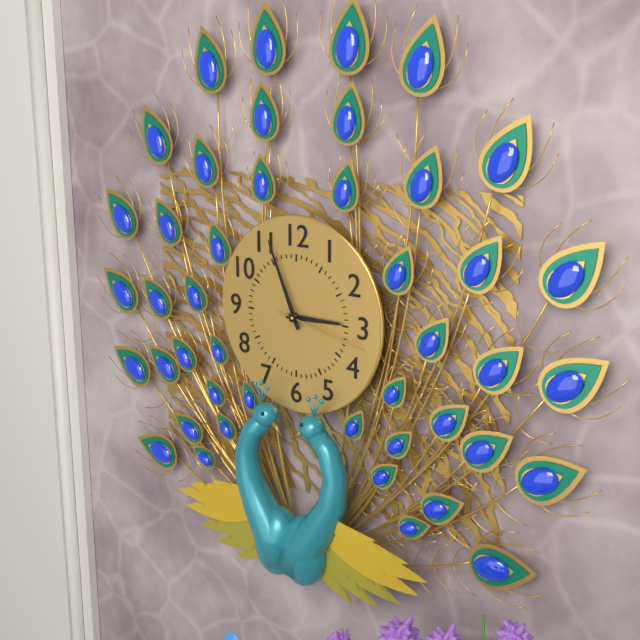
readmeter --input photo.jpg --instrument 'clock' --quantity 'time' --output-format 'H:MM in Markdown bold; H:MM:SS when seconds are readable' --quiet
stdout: **2:56:17**
